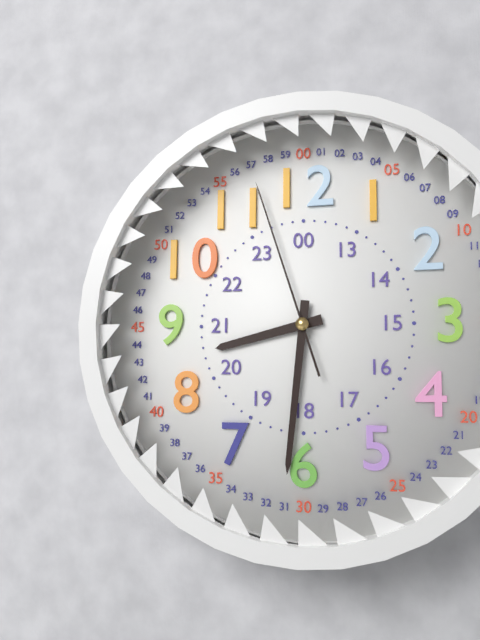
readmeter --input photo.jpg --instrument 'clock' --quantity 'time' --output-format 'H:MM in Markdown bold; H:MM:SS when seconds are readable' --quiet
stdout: **8:31:57**
